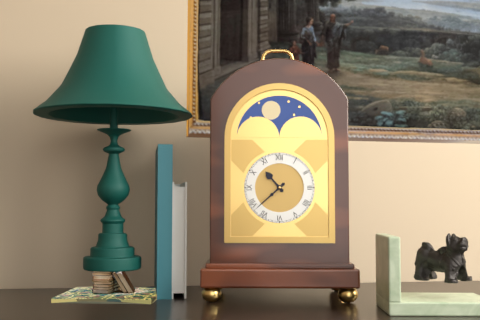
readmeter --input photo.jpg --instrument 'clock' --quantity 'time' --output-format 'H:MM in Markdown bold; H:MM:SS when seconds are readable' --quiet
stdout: **10:38**
